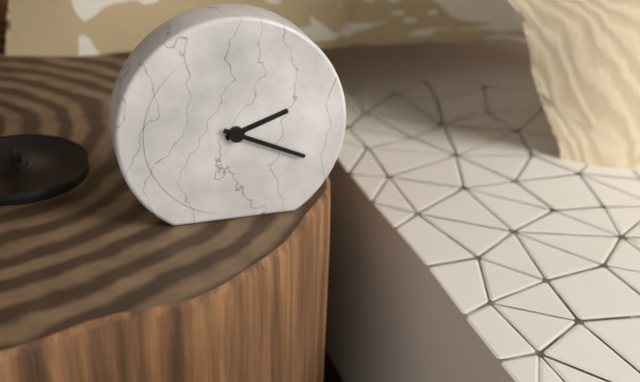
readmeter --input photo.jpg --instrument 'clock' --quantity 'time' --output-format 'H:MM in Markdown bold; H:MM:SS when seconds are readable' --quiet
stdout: **2:19**
